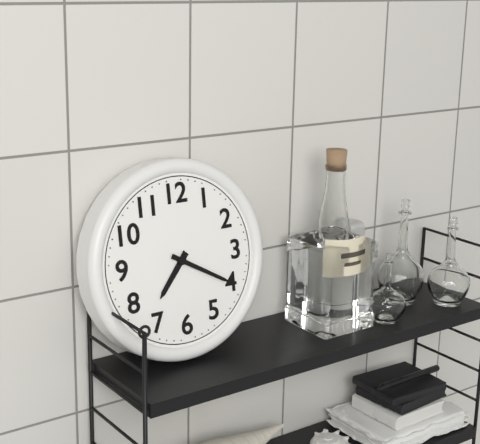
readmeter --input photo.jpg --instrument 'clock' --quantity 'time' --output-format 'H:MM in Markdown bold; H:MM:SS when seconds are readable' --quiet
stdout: **7:20**
